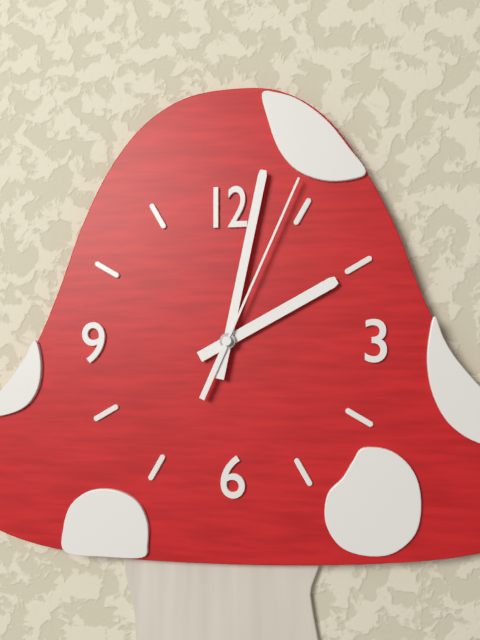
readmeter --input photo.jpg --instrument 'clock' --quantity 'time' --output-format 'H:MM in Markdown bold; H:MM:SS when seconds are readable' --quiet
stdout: **2:02:04**
